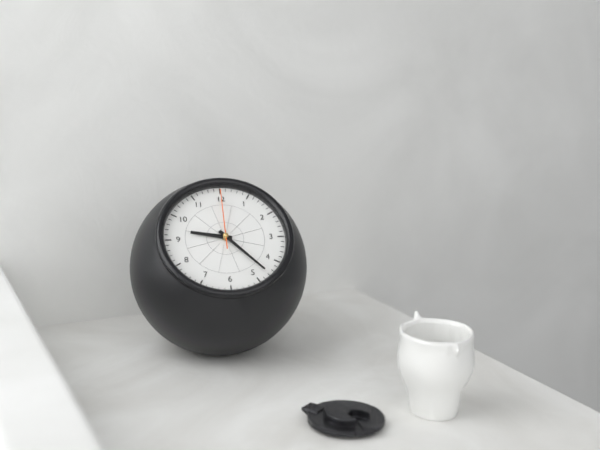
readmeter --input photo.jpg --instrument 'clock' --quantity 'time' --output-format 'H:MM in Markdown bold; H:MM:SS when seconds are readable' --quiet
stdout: **9:23:00**
